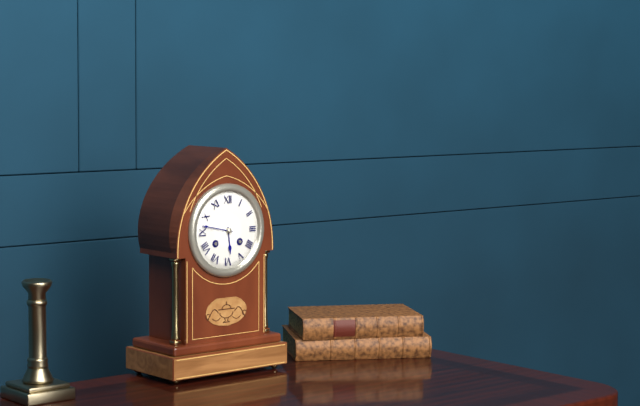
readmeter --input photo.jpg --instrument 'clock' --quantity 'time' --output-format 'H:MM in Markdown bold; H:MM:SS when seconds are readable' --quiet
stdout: **5:47**
